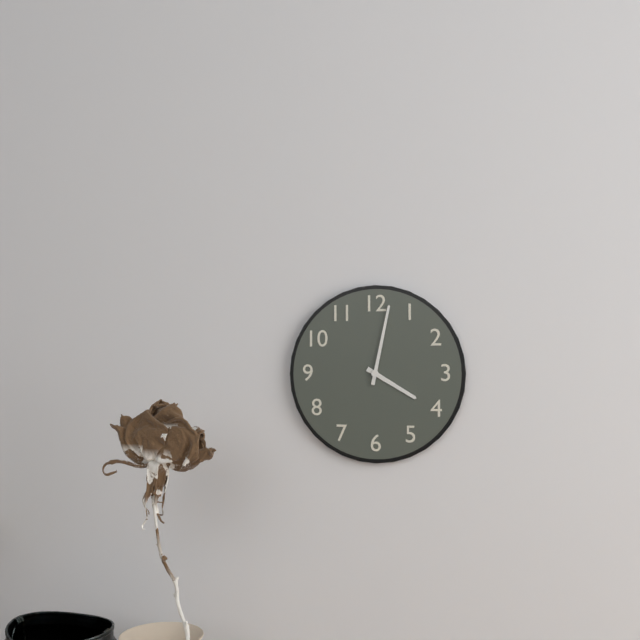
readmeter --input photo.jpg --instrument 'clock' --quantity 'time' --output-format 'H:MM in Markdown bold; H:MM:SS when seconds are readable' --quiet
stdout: **4:02**
